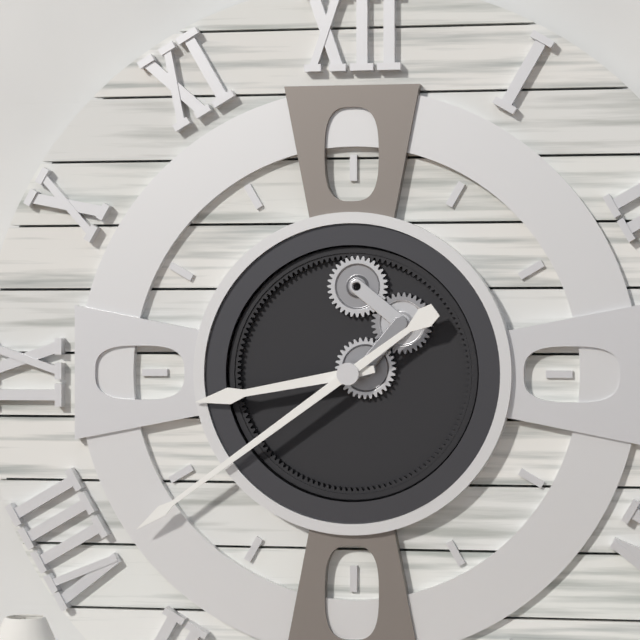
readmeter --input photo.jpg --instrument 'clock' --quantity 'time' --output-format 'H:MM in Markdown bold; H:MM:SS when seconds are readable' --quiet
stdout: **8:39**
